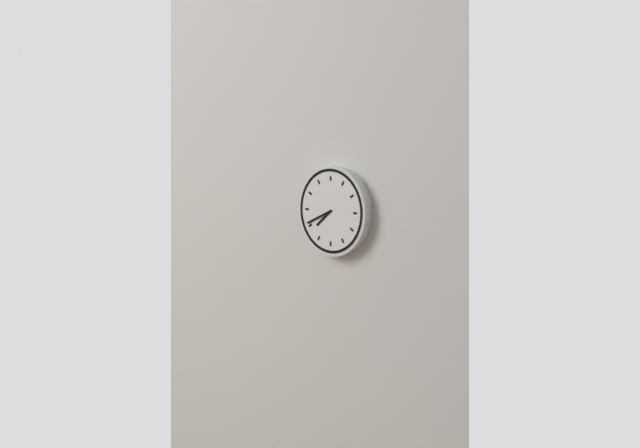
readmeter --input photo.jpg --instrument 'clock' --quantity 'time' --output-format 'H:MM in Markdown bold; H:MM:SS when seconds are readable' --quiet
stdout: **7:41**
